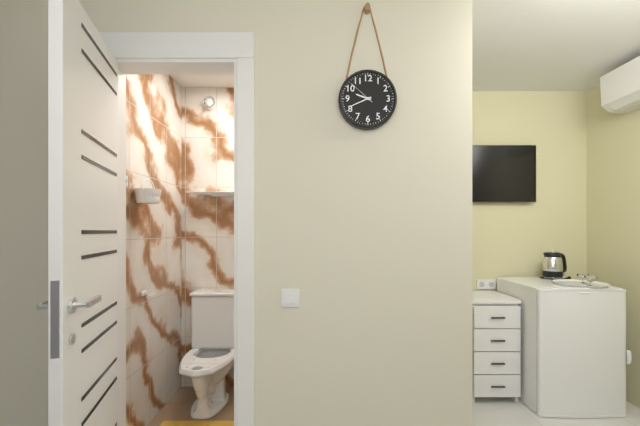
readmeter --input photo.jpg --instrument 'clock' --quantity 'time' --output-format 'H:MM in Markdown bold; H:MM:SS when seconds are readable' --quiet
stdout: **9:41**
